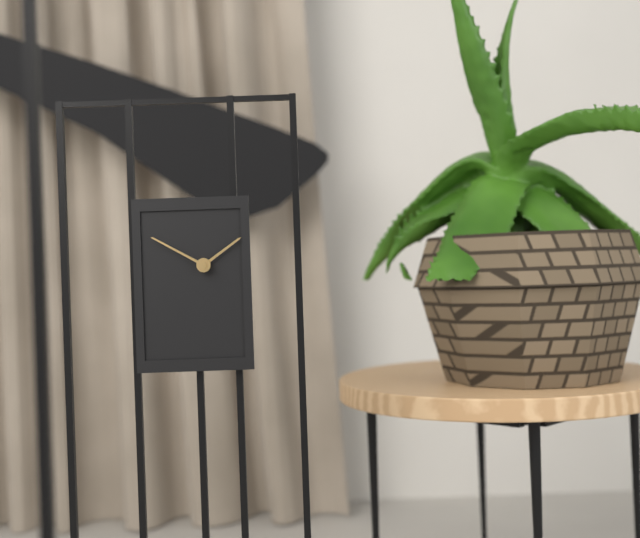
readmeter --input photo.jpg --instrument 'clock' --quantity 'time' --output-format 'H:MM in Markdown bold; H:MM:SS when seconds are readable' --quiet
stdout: **1:50**
